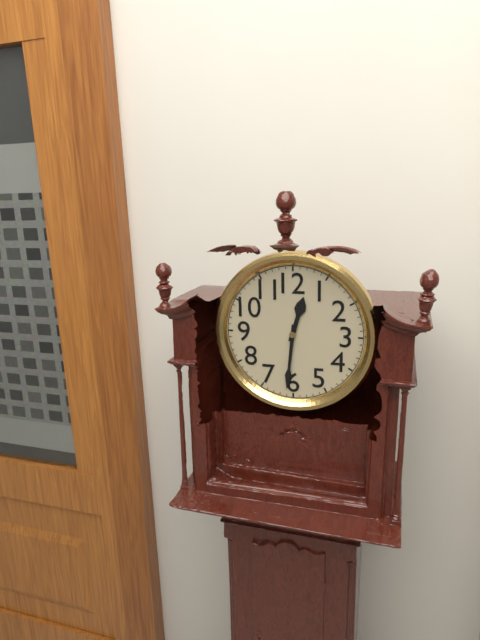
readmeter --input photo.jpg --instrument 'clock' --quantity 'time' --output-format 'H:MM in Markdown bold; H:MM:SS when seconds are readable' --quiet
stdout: **12:31**
